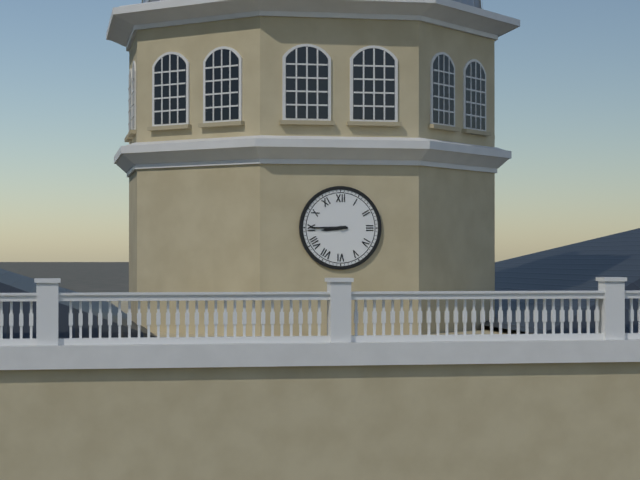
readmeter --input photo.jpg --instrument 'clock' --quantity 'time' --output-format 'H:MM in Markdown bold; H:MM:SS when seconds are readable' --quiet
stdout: **8:45**
